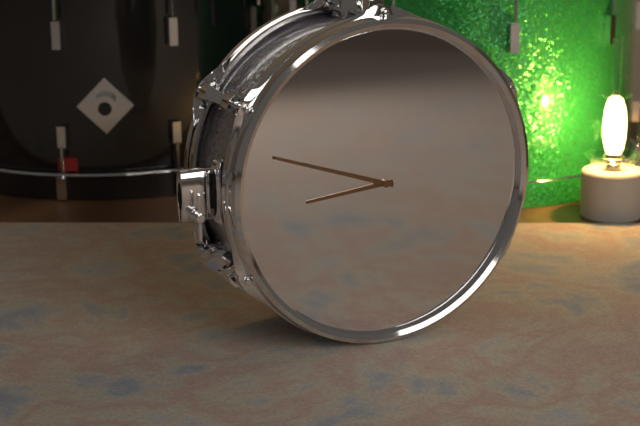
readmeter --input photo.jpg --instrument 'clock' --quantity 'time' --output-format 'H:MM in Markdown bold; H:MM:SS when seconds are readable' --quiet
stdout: **8:48**
